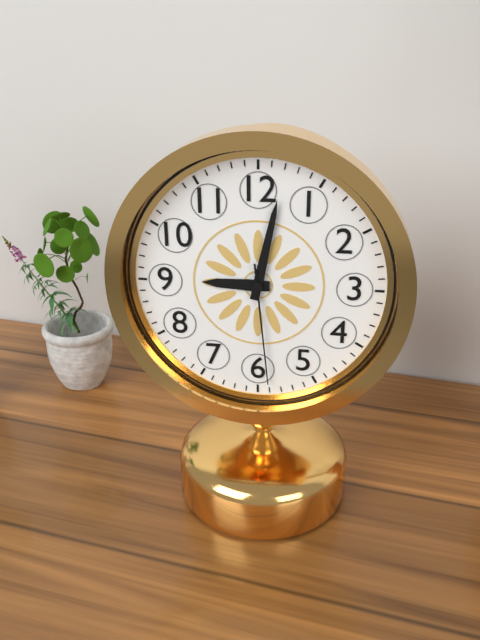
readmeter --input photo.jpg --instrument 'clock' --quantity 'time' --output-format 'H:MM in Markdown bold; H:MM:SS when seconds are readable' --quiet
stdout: **9:02:29**
